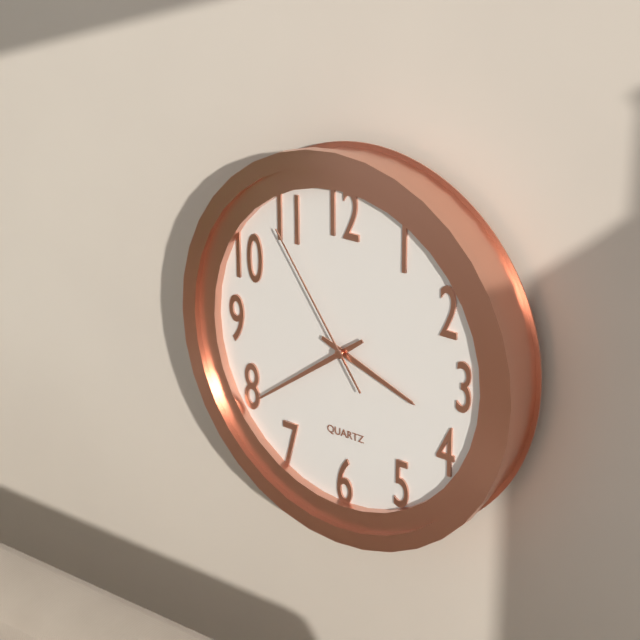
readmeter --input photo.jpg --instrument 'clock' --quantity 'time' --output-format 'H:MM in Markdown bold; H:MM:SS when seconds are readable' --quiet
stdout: **3:39:54**
